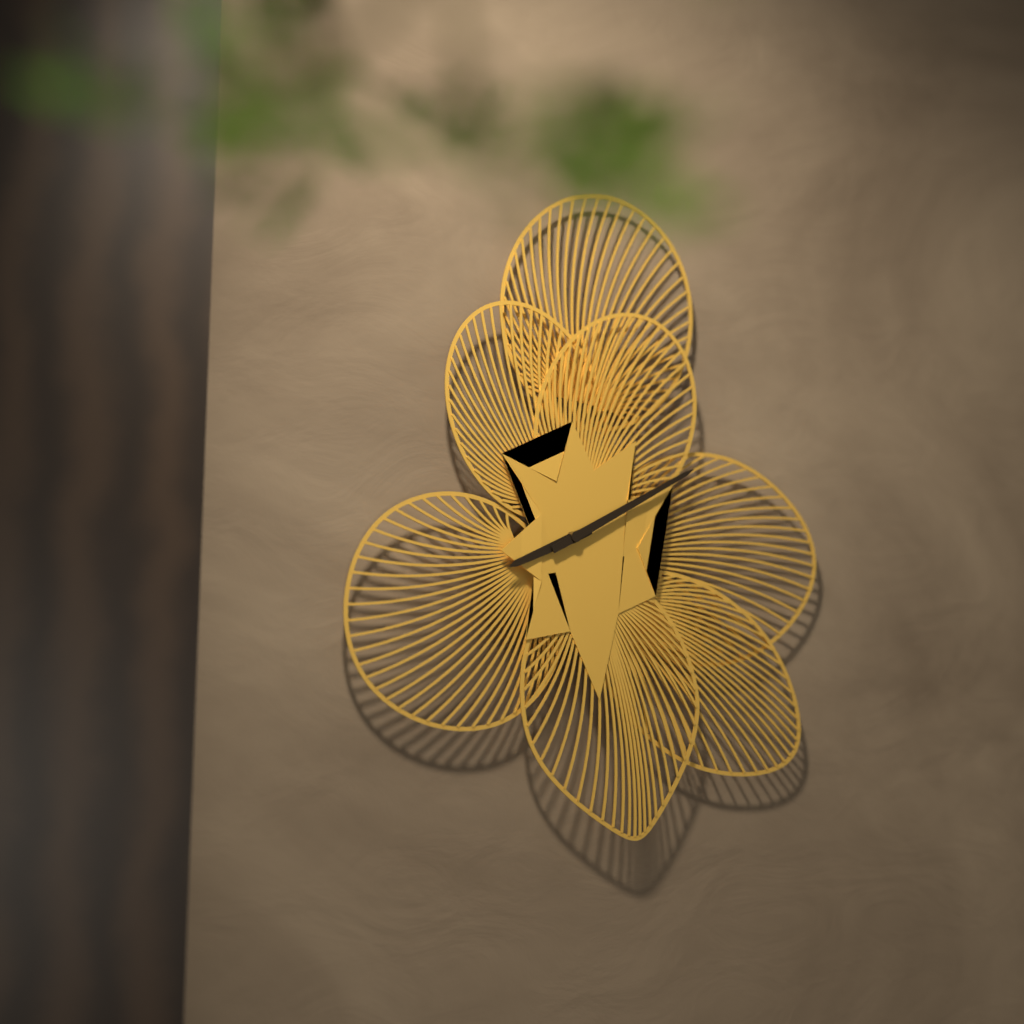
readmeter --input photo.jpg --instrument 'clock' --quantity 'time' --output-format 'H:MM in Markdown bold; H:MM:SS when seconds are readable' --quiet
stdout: **8:10**
